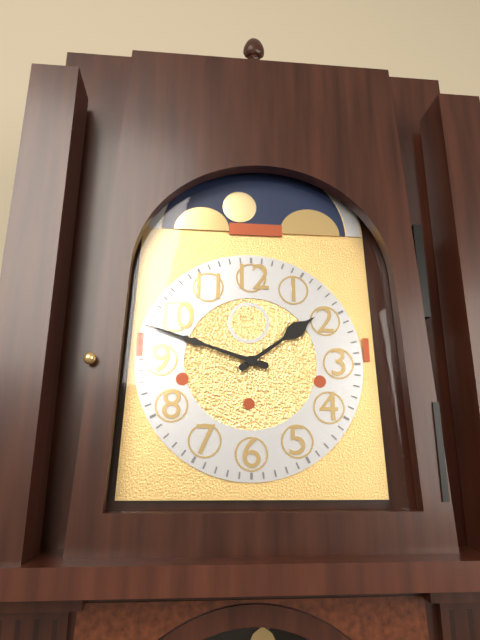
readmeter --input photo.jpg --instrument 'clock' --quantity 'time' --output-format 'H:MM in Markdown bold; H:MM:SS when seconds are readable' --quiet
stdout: **1:48**
